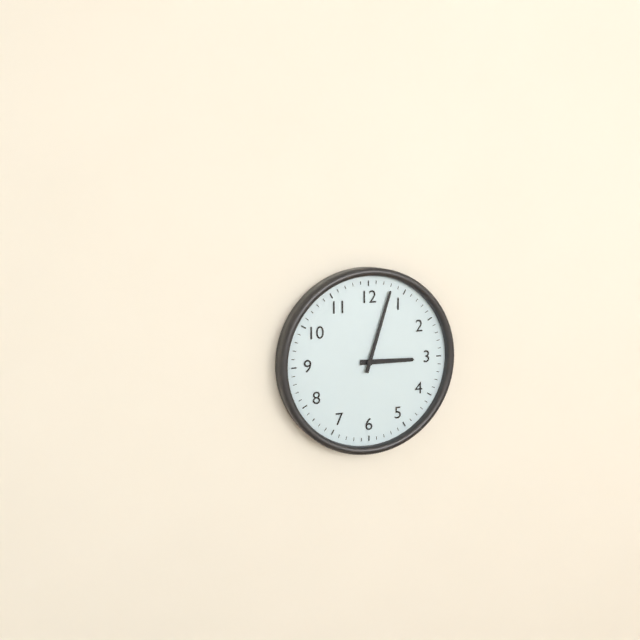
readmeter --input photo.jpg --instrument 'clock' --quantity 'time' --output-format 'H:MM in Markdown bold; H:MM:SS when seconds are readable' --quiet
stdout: **3:03**
